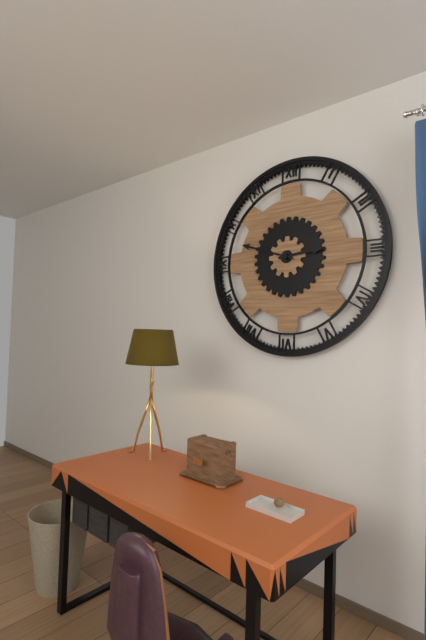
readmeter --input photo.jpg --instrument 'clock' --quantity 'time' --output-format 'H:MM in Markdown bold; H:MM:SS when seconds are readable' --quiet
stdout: **2:48**
